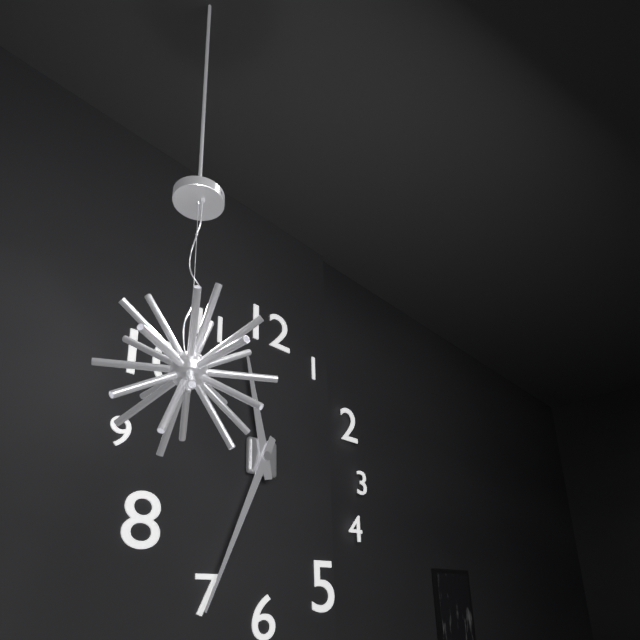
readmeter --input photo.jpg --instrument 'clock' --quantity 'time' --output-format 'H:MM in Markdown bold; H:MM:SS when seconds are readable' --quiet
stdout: **11:34**
